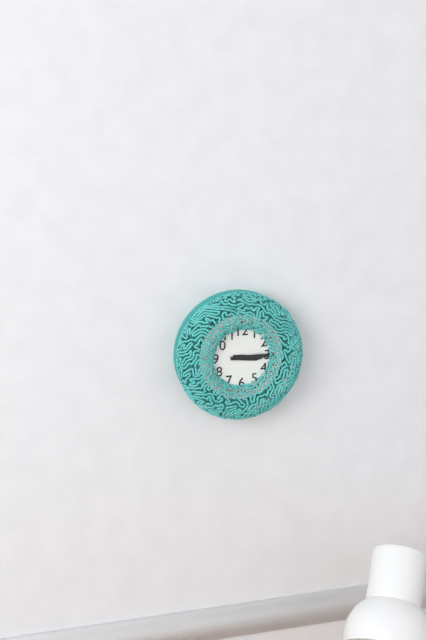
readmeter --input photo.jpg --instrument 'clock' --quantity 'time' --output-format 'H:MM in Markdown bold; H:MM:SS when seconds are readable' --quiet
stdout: **3:15**
